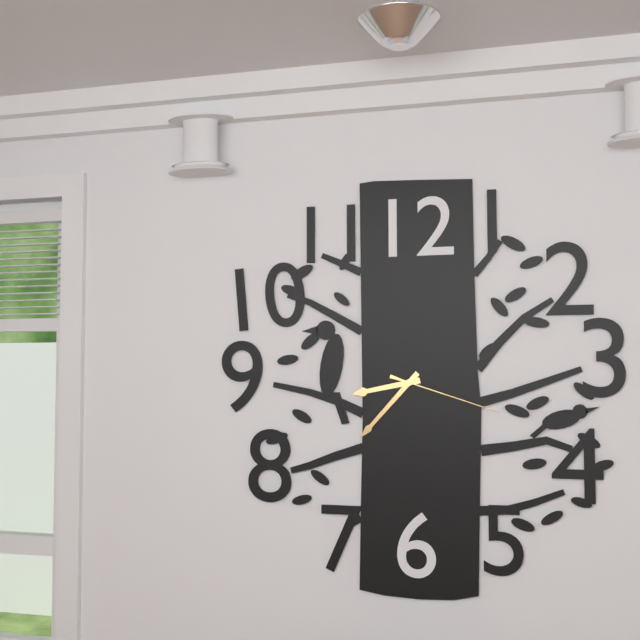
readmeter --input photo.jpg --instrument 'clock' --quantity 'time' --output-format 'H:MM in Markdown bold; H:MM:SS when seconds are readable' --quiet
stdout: **8:37:18**
